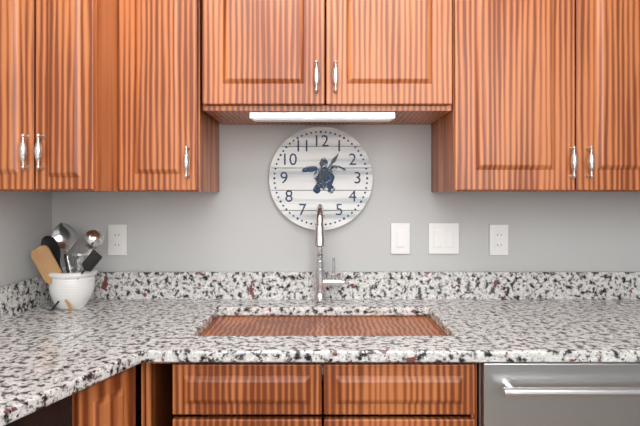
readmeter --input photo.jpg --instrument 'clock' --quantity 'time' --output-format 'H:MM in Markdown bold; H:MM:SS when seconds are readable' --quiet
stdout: **12:06**
